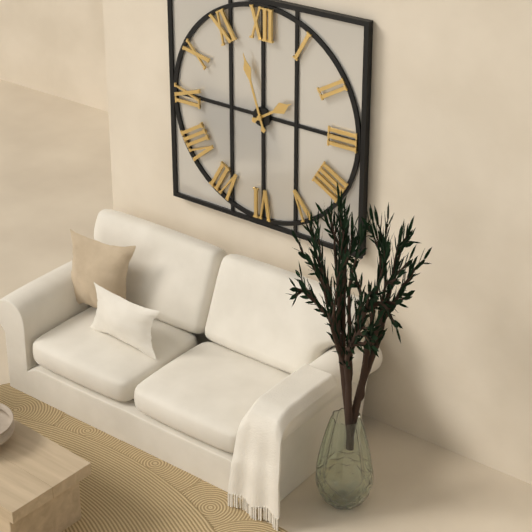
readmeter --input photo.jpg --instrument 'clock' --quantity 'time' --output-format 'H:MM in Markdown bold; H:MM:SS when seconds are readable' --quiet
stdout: **1:57**
